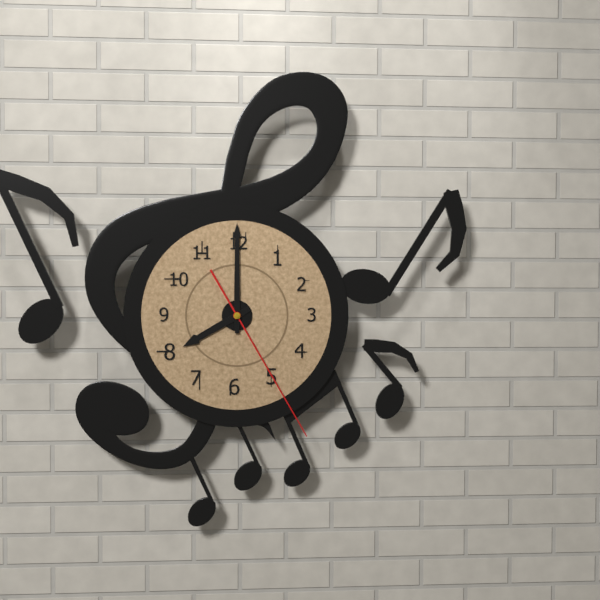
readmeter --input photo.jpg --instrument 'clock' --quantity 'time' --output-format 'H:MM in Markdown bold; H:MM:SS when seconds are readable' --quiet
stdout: **8:00:25**
